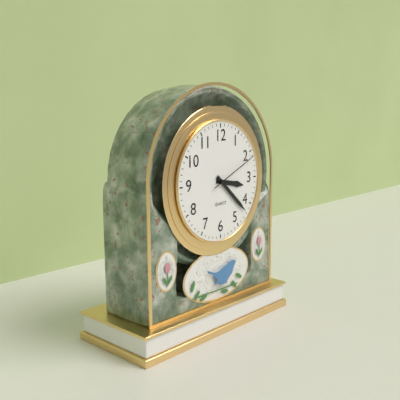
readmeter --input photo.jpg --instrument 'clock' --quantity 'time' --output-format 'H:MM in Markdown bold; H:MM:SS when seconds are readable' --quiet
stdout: **3:22:11**
